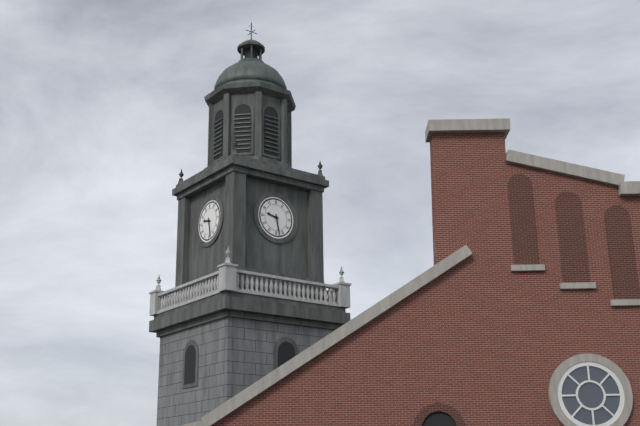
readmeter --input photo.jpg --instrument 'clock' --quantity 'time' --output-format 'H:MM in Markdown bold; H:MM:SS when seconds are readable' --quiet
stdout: **9:28**
